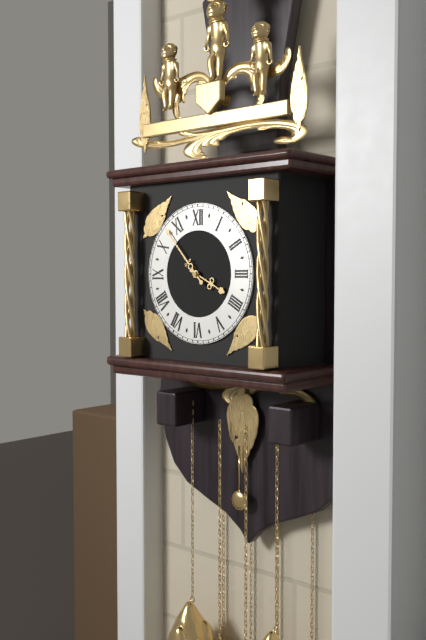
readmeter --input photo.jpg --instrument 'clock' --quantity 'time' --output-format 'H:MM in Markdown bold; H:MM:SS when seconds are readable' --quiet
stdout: **3:53**
